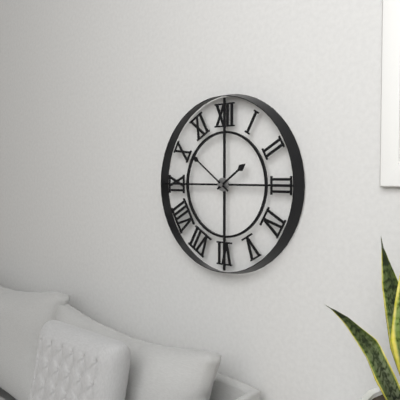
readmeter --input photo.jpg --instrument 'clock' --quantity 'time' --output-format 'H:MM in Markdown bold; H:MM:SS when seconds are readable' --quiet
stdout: **1:51**
